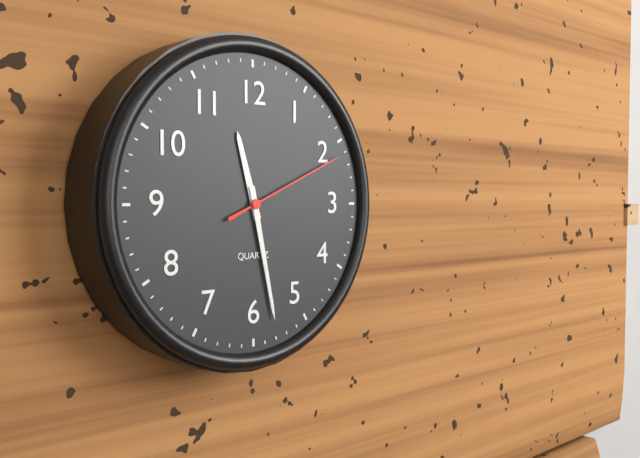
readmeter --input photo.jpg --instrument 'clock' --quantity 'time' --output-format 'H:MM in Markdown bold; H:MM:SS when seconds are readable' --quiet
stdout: **11:28:11**
